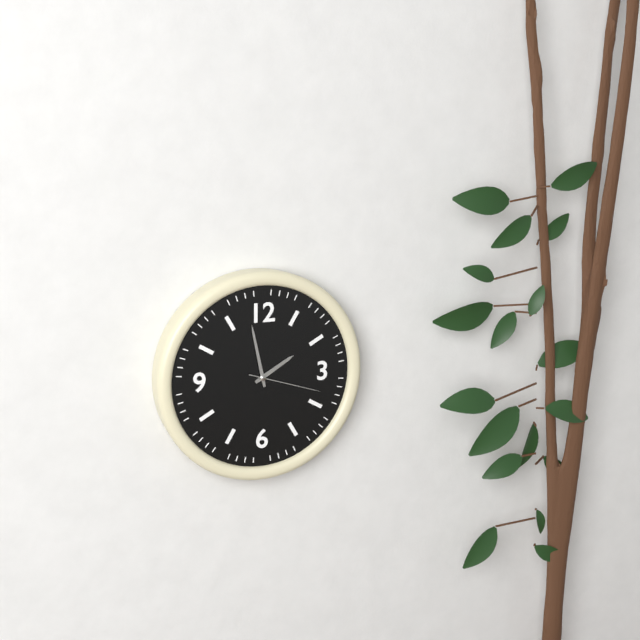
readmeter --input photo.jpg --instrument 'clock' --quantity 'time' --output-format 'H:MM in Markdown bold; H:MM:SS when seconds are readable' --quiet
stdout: **1:58:18**
